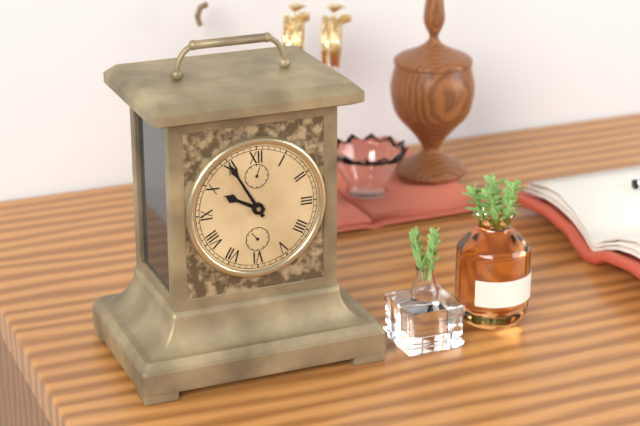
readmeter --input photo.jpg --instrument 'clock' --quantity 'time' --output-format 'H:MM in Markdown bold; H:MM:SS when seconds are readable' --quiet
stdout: **9:55**
